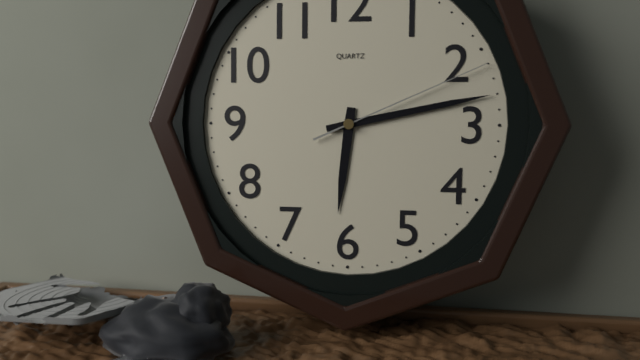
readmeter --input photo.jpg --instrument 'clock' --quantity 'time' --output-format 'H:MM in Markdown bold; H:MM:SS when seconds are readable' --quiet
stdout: **6:13:11**
